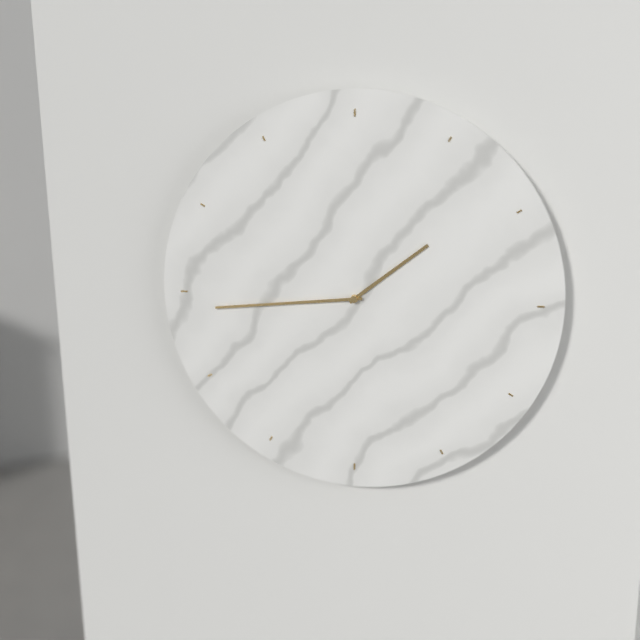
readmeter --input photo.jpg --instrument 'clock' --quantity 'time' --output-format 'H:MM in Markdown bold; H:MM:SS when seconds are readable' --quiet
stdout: **1:44**
